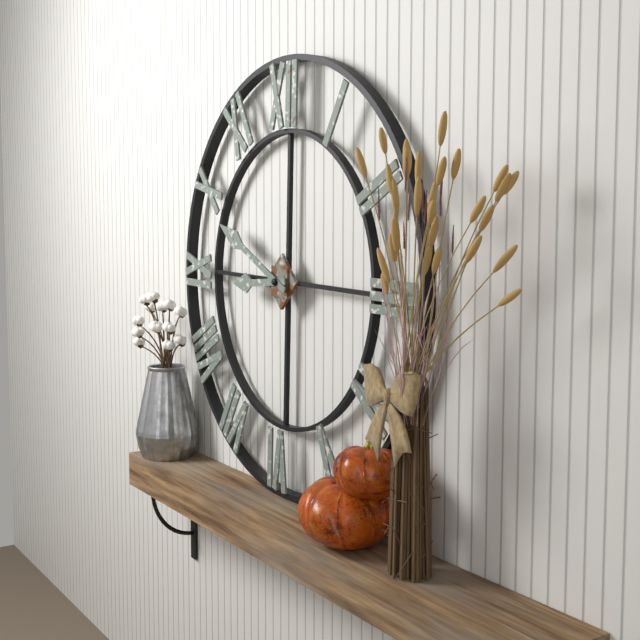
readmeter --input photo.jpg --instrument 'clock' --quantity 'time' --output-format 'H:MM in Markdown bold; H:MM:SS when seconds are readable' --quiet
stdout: **8:49**
